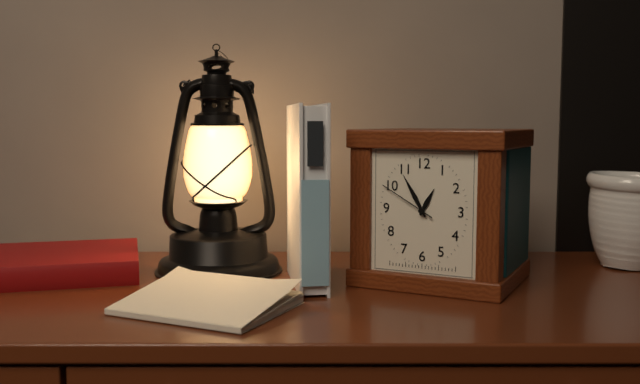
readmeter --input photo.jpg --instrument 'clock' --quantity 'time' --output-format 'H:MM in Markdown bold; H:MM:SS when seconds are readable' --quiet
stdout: **12:55:50**
